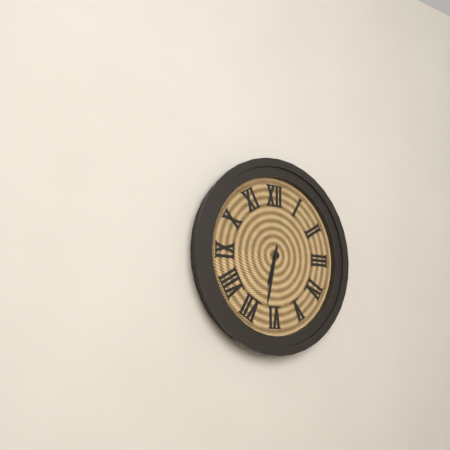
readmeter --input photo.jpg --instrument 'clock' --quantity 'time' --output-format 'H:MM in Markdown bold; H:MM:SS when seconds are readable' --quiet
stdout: **6:32**
